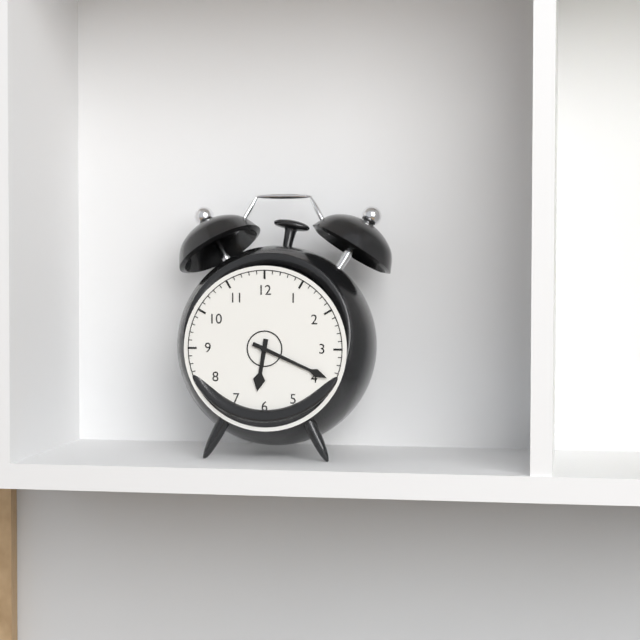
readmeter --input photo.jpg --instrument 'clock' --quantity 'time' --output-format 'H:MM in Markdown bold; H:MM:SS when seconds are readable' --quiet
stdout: **6:19**
